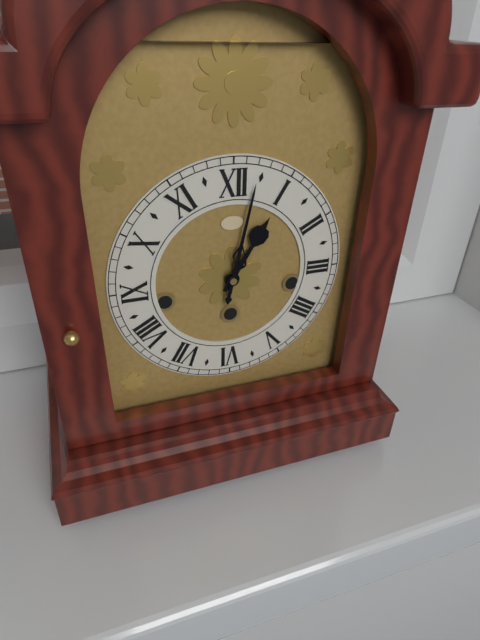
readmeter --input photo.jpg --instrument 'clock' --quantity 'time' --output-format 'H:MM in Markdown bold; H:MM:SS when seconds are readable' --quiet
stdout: **1:02**
